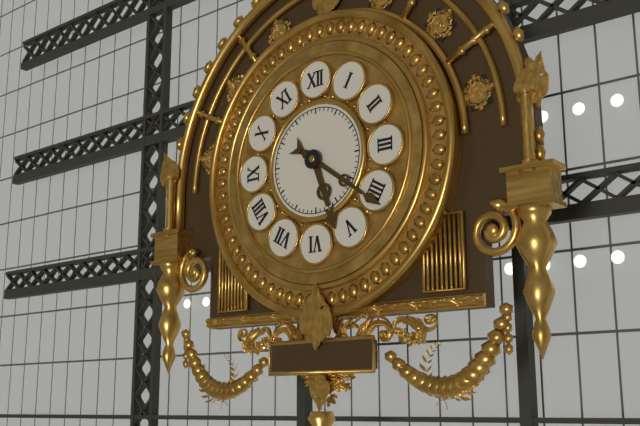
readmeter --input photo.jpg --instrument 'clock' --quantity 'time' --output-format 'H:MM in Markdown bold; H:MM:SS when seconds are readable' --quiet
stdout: **5:21**
